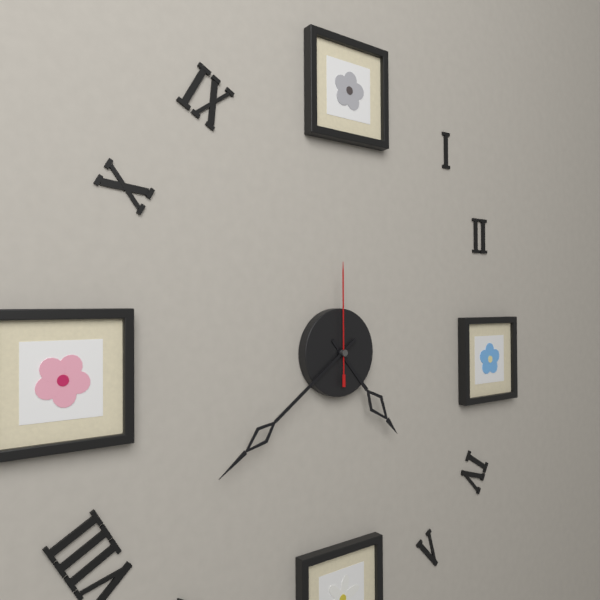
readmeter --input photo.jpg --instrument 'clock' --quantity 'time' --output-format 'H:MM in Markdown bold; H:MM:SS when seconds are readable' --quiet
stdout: **4:39:00**
